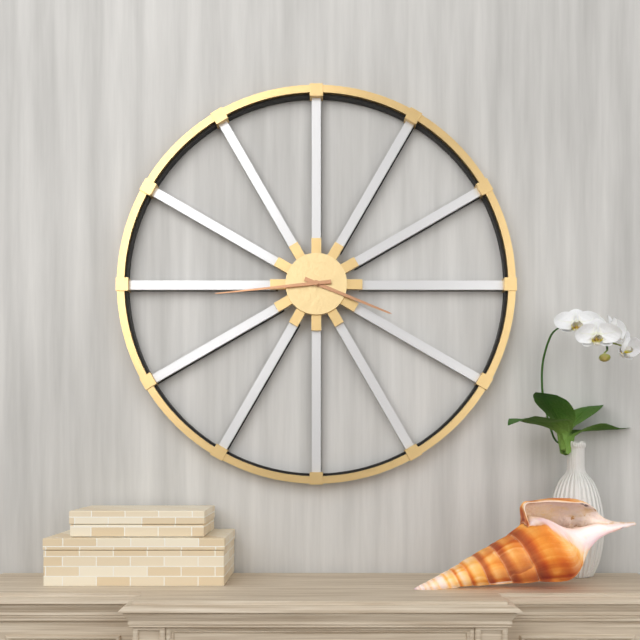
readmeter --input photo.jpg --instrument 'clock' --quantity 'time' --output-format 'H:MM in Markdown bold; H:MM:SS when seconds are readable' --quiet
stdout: **3:44**
